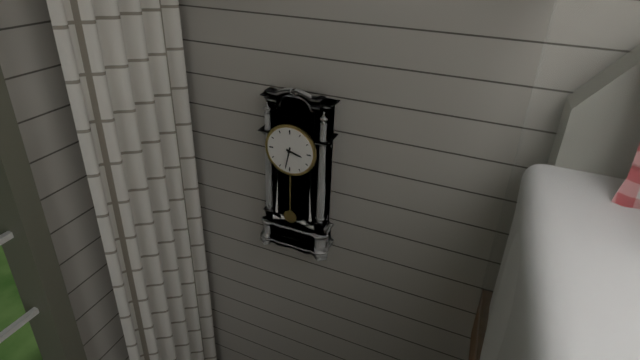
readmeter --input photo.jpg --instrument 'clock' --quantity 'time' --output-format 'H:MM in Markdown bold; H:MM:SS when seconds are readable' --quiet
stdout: **3:32**
